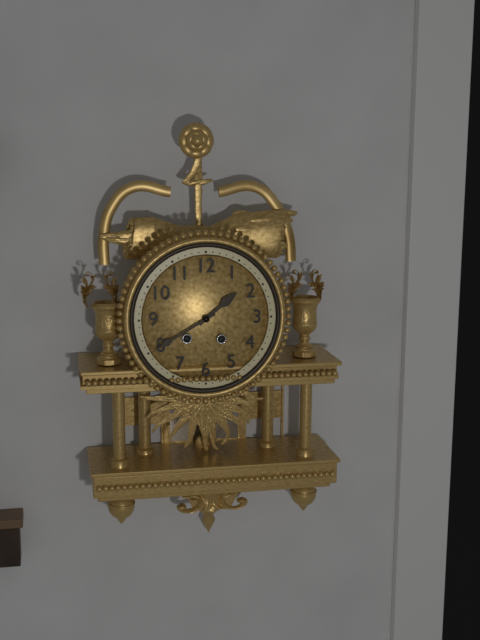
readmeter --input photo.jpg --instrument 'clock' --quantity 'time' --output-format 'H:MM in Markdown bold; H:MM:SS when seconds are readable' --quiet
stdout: **1:40**
